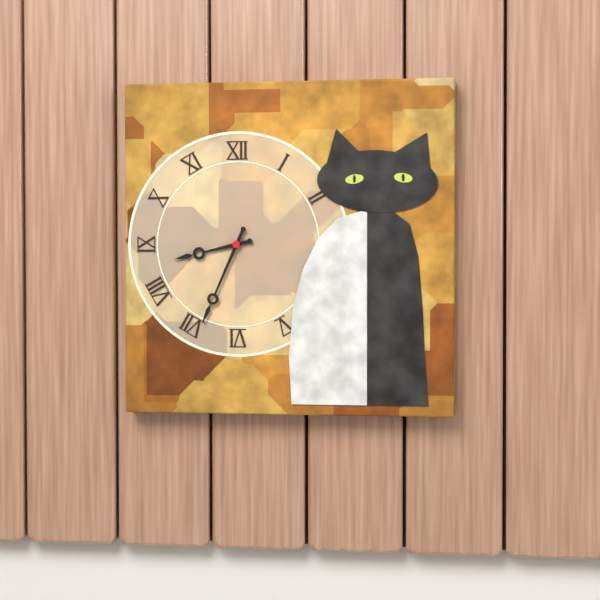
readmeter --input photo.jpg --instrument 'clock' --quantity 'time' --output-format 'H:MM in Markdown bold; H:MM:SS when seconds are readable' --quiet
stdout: **8:34**
